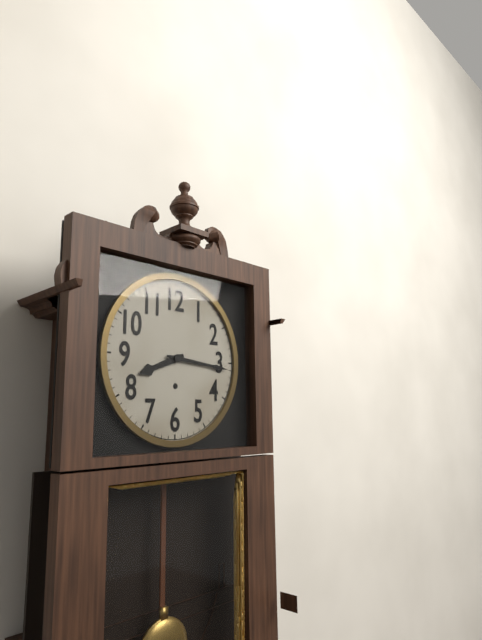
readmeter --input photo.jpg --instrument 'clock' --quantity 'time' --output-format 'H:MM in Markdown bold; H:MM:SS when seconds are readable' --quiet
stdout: **8:16**
